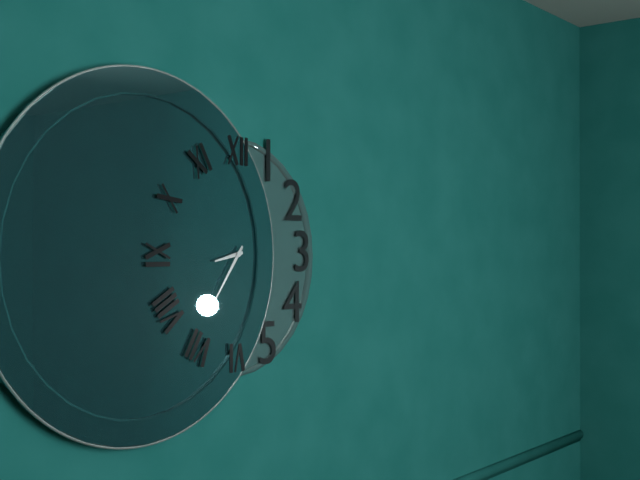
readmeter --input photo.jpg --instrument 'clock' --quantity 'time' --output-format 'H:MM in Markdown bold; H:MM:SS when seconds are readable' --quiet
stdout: **8:36**
